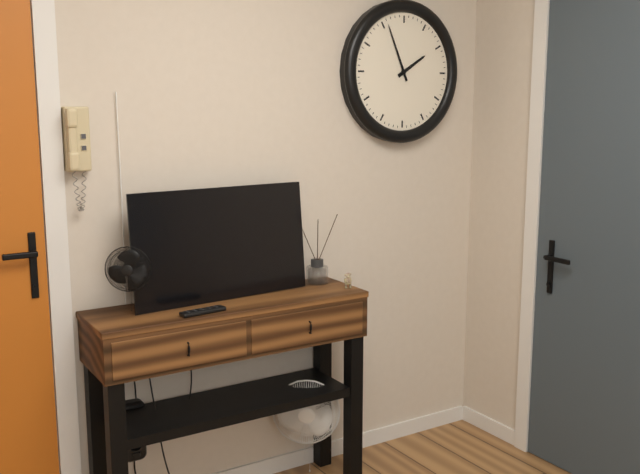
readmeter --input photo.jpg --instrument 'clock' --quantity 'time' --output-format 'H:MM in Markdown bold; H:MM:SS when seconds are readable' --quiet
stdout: **1:56**
